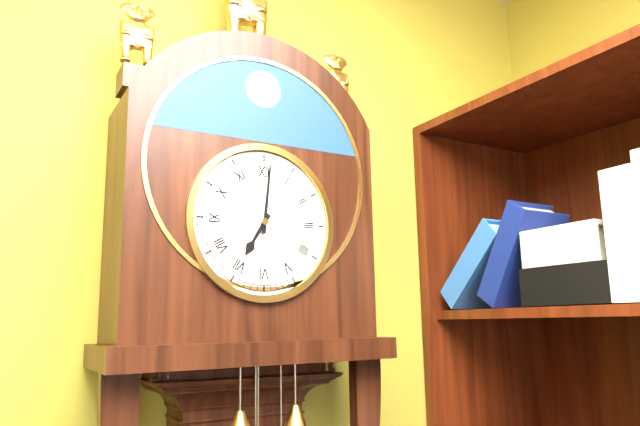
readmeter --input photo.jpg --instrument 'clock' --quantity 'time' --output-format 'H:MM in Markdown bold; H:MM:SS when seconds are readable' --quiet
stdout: **7:01**
